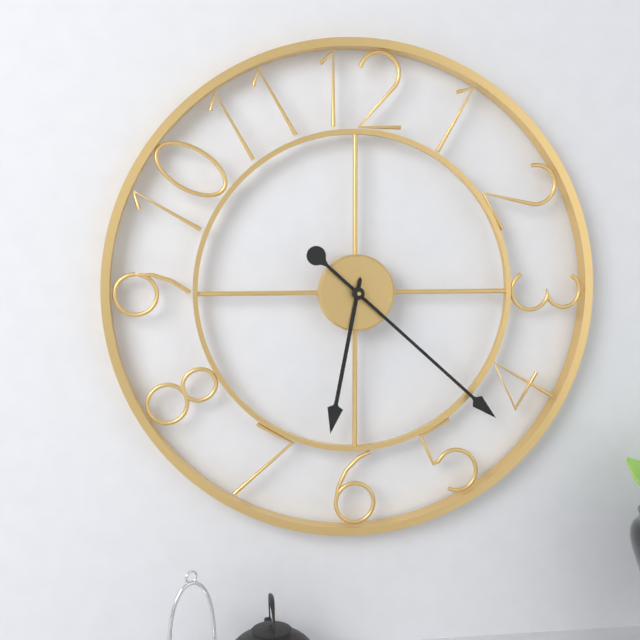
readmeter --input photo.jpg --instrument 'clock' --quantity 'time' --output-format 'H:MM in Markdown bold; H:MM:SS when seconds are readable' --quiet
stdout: **6:22**
